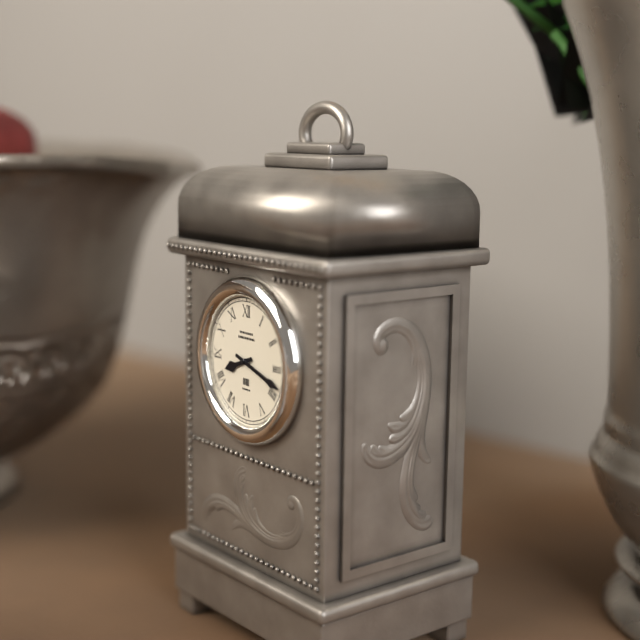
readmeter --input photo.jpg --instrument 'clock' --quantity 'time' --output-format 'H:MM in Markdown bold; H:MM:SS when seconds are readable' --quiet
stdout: **8:18**
